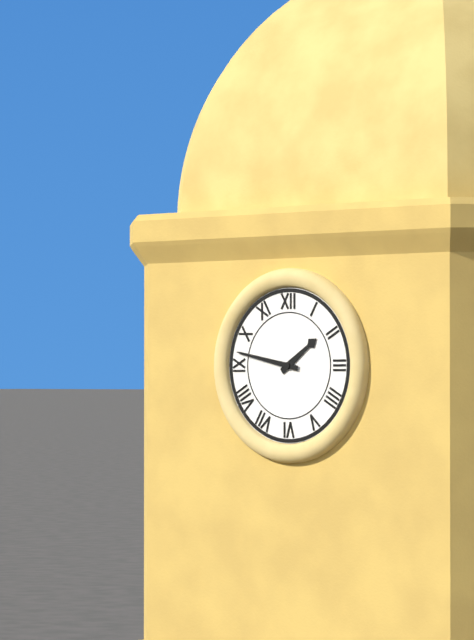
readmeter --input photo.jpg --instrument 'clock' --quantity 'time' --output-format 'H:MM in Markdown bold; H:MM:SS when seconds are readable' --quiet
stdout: **1:47**
